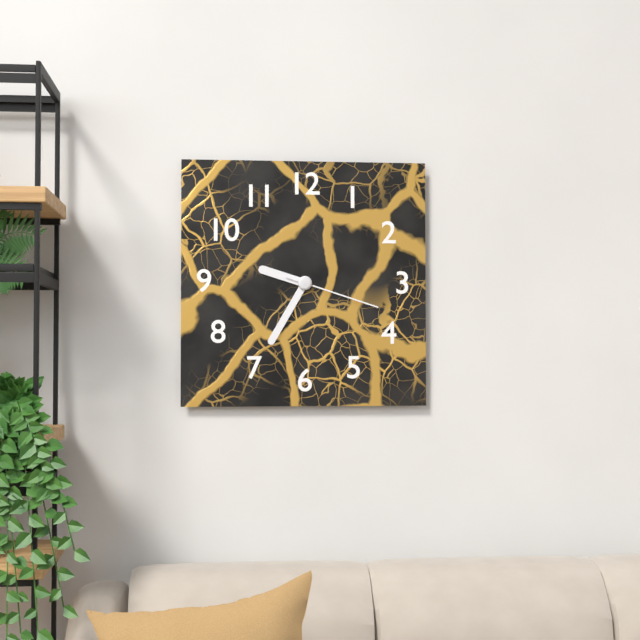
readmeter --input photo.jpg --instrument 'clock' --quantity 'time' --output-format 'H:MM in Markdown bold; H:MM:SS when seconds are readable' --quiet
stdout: **9:35:18**
